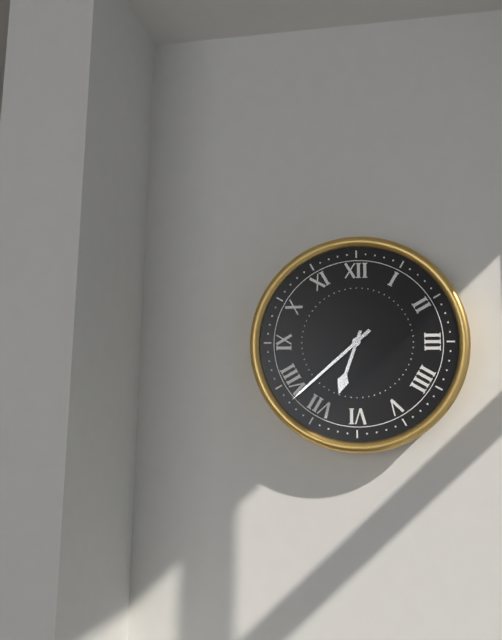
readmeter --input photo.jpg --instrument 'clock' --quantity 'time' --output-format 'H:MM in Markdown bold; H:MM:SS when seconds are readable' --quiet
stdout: **6:38**
